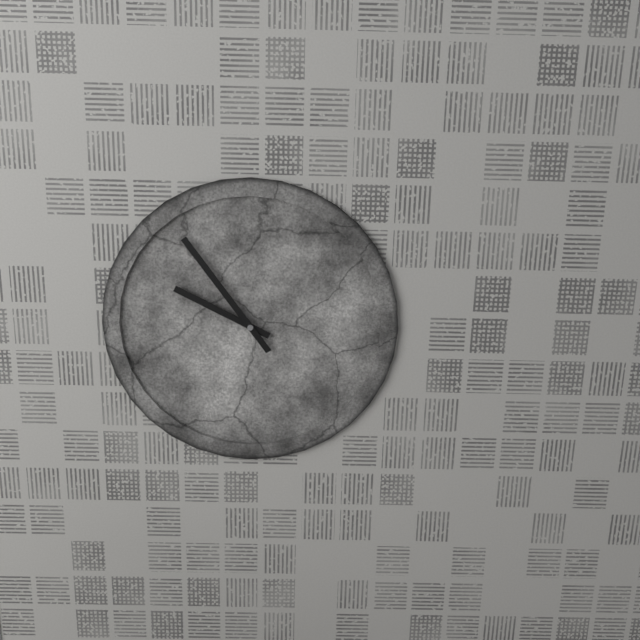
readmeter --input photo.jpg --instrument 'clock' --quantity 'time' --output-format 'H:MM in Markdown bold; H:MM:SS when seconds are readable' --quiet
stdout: **9:54**
